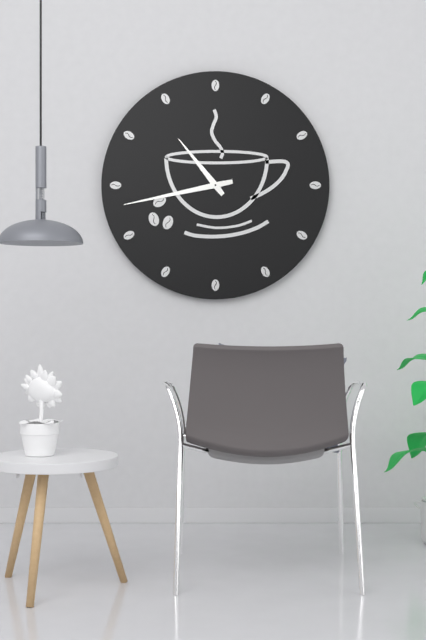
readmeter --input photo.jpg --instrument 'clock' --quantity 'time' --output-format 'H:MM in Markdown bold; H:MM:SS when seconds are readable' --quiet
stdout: **10:43**
